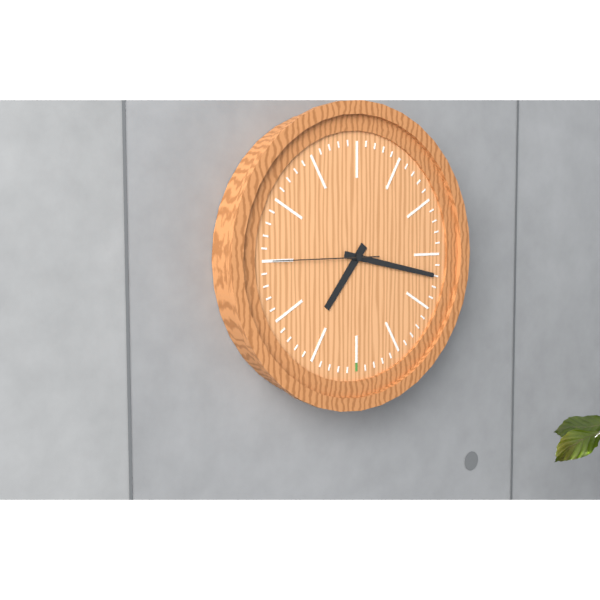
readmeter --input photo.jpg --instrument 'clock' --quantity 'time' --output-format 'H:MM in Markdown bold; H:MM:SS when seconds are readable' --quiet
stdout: **7:17:45**
